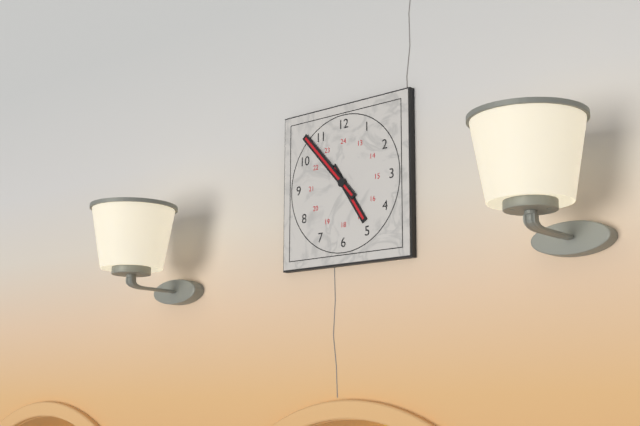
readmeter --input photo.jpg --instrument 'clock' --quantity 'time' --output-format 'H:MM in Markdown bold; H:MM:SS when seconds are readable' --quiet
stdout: **4:53**
